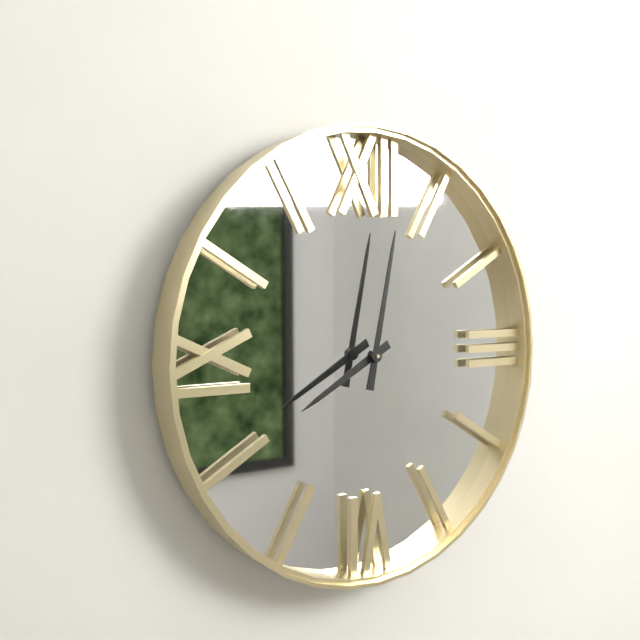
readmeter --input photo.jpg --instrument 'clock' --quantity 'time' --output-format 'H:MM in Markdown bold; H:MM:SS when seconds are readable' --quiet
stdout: **8:02**
